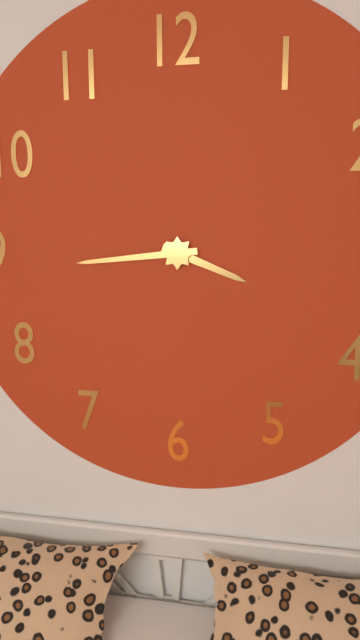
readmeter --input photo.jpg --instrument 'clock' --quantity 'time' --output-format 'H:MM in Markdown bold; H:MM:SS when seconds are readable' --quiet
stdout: **3:44**
